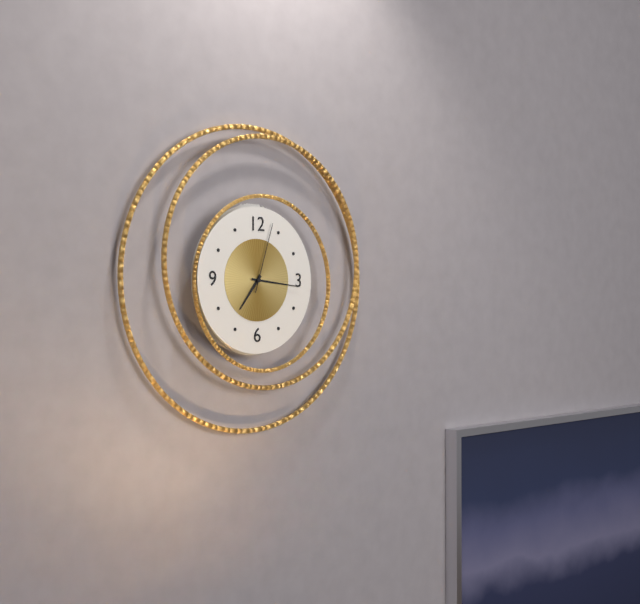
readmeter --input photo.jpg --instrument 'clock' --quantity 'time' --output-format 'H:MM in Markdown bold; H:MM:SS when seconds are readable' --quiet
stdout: **7:16:03**
